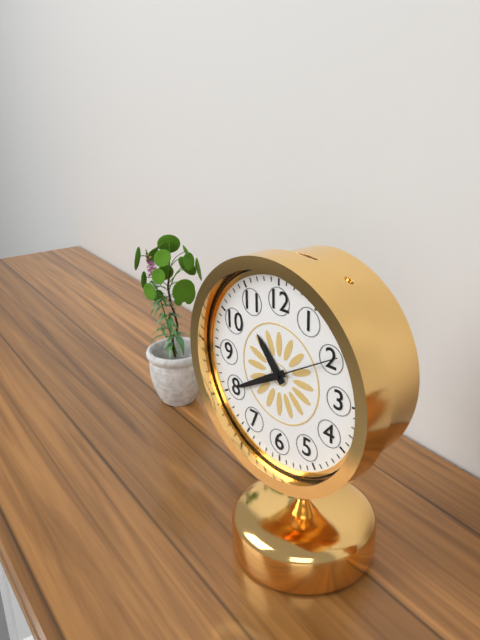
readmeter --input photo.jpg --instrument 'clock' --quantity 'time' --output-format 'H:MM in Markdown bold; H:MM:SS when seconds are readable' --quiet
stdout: **10:40:10**
